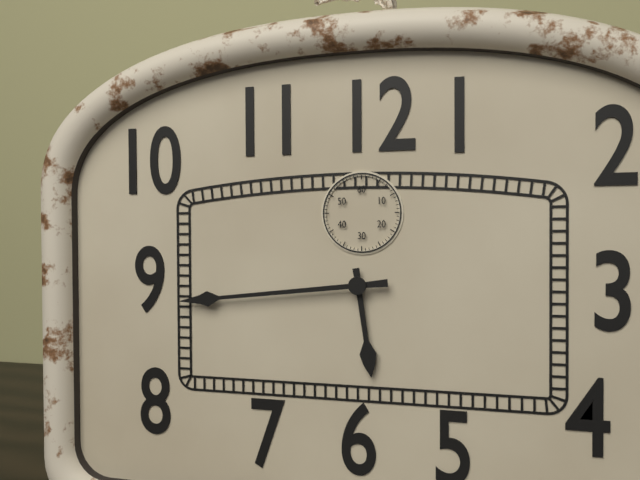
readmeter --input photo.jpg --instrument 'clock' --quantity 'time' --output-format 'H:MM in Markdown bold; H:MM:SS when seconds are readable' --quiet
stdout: **5:44**
